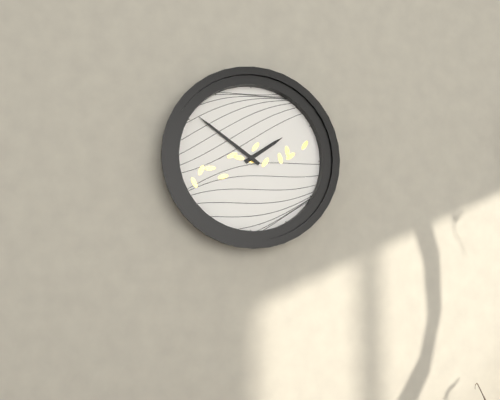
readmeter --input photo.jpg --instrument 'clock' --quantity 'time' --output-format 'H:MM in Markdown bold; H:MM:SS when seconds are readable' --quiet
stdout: **1:51**
